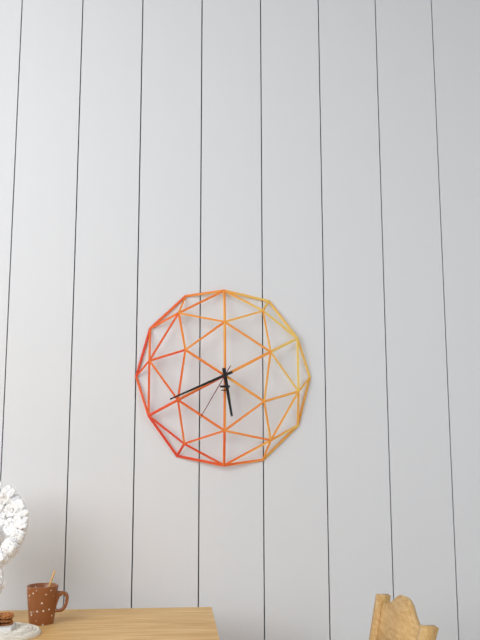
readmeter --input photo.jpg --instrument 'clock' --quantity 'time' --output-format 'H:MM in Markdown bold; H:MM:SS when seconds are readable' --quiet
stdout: **5:41:35**
